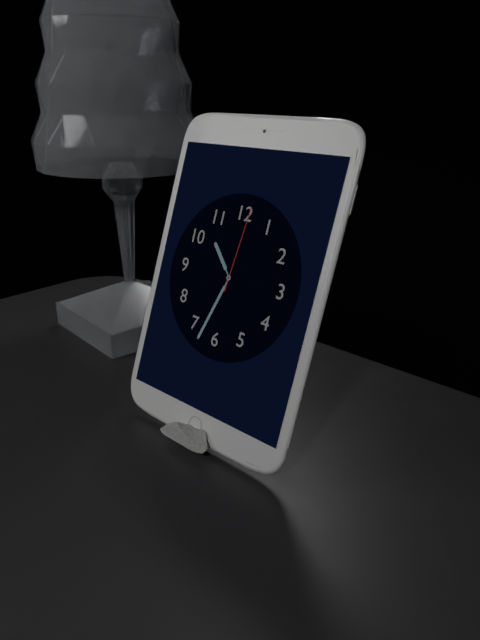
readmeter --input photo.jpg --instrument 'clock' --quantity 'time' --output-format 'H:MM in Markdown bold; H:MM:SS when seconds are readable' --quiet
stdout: **10:33:01**
